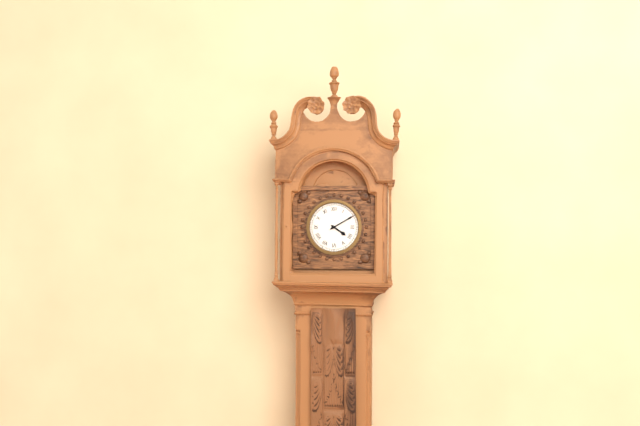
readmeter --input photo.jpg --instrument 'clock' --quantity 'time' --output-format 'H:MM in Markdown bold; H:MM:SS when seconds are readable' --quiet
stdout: **4:10**
